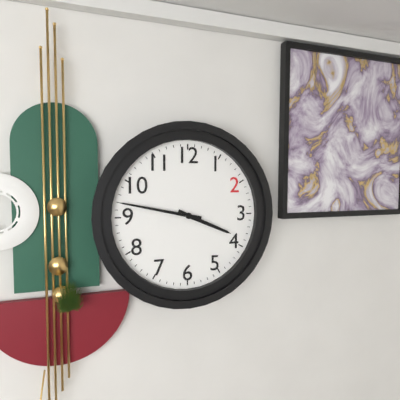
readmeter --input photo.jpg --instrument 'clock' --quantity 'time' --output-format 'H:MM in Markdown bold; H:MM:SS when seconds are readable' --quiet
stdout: **3:47**
